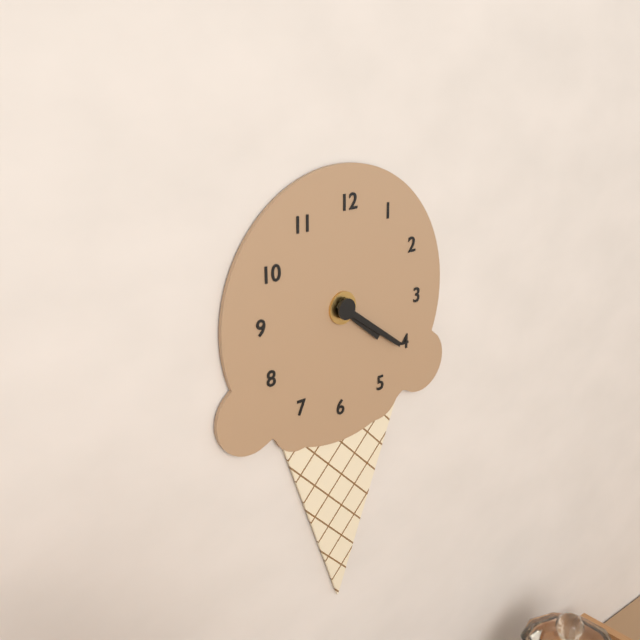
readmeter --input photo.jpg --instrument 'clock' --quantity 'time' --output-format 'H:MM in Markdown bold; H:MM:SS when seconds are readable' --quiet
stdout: **4:21**
